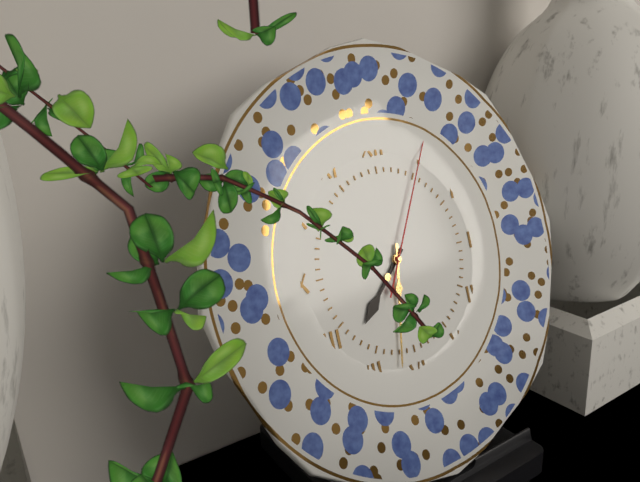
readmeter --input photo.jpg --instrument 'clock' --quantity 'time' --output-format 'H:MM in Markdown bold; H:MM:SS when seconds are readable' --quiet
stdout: **7:32:05**
